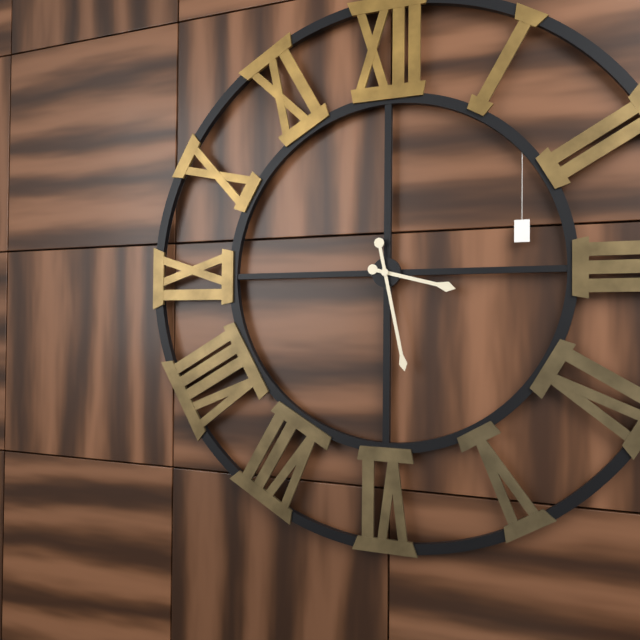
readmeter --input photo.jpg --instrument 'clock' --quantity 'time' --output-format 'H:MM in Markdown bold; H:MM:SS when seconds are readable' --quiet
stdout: **3:28**
